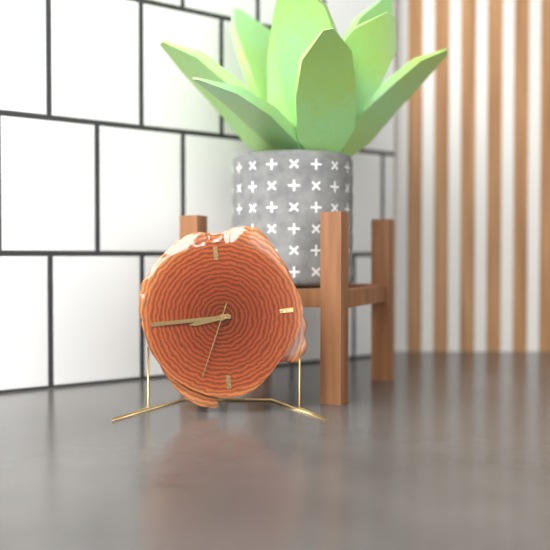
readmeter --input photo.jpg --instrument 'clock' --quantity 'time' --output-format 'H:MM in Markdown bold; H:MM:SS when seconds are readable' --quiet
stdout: **8:45:34**
